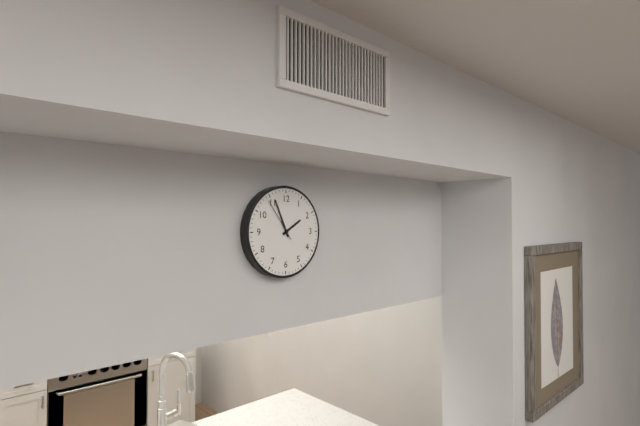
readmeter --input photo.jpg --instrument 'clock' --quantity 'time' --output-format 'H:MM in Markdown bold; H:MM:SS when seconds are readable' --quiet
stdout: **1:56**
